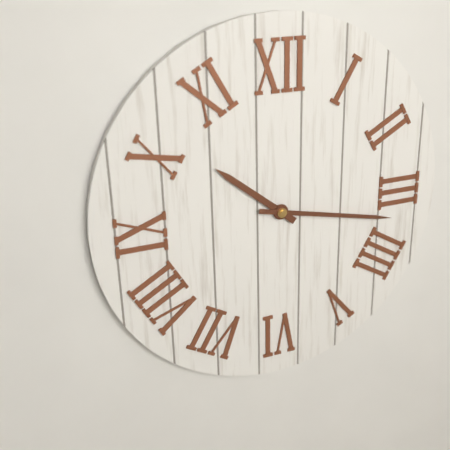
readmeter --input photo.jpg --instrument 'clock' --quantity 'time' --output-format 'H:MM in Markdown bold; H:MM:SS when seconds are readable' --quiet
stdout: **10:17**
